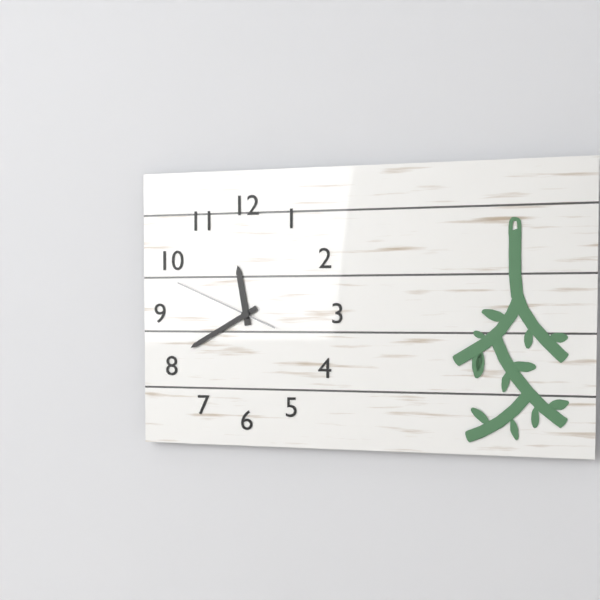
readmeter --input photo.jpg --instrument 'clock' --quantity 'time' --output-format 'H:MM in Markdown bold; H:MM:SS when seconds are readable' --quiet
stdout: **11:40:49**
